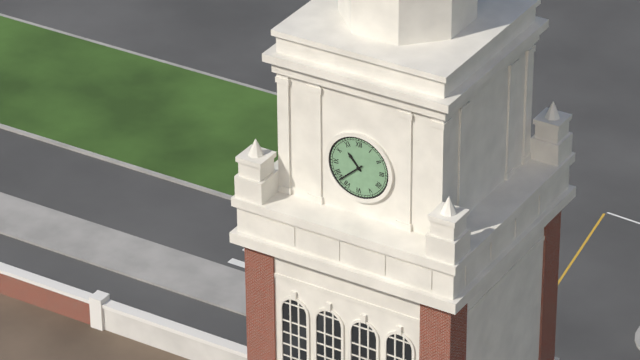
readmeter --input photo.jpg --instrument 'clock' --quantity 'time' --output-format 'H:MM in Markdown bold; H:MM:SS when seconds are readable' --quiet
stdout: **10:38**
